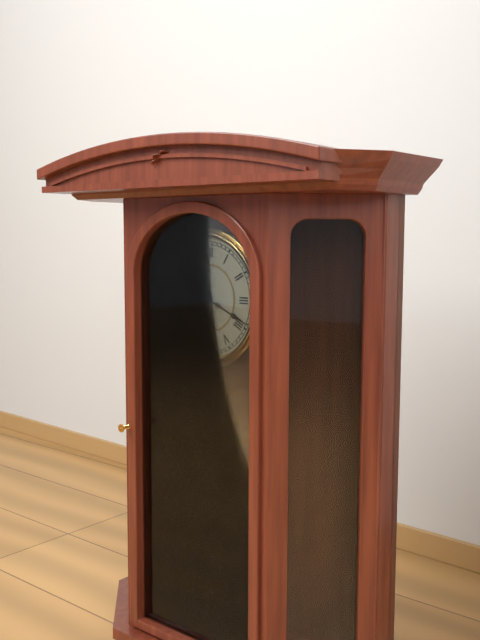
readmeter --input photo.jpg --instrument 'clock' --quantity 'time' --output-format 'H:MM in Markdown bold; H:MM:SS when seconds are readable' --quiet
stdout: **10:19**
